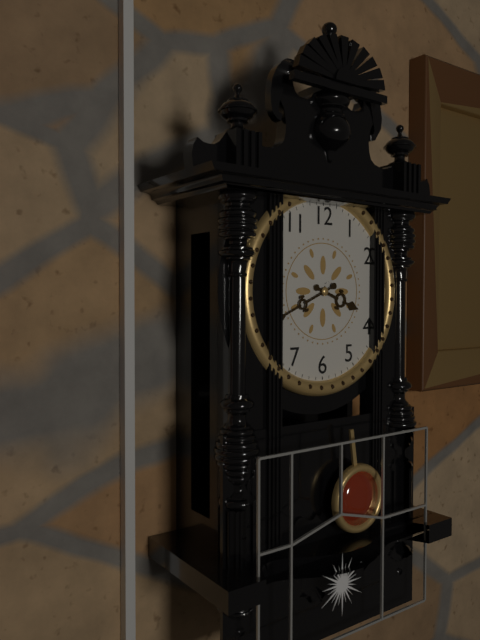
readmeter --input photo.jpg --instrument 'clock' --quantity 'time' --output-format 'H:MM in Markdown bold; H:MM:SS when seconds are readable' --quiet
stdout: **3:41**
